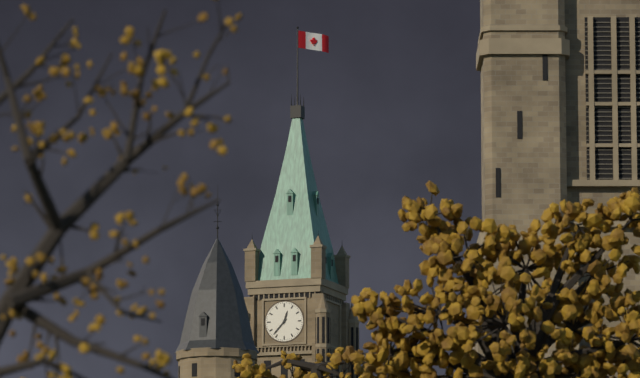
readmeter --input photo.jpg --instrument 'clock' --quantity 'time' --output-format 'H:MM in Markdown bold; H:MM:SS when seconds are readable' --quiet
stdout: **12:37**
